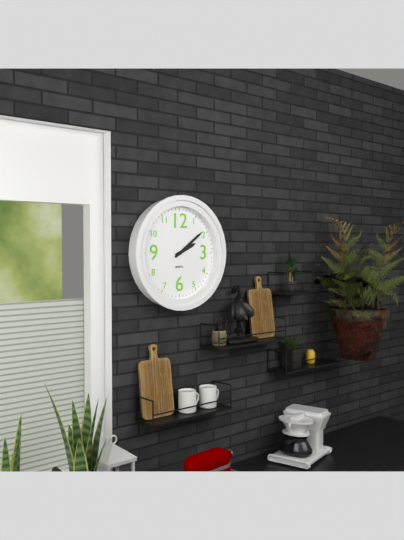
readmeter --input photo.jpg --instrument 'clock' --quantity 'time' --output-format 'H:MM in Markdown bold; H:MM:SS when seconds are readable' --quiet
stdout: **2:09**
